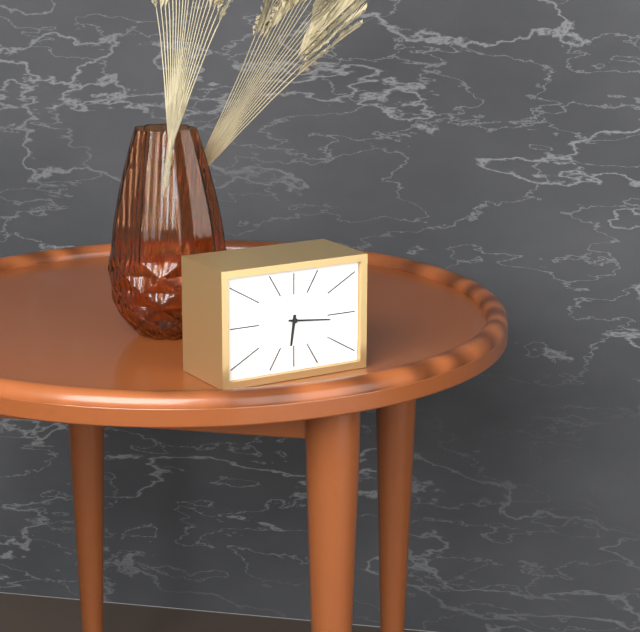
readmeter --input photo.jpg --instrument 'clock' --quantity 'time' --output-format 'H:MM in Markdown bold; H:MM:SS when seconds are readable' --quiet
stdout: **6:16**
